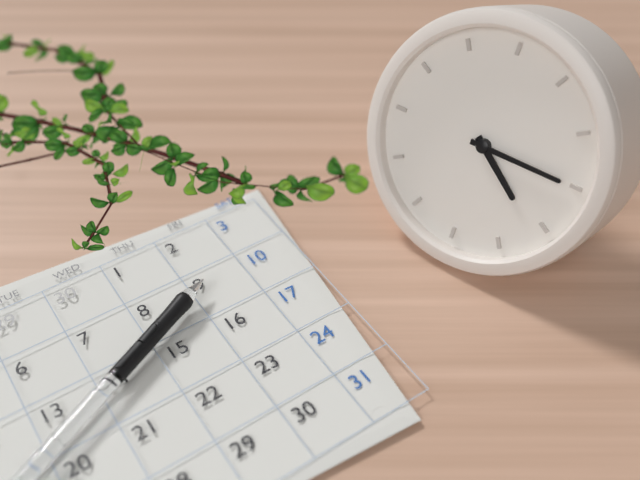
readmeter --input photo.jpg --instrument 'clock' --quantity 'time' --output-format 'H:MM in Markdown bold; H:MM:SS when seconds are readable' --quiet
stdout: **4:15**
